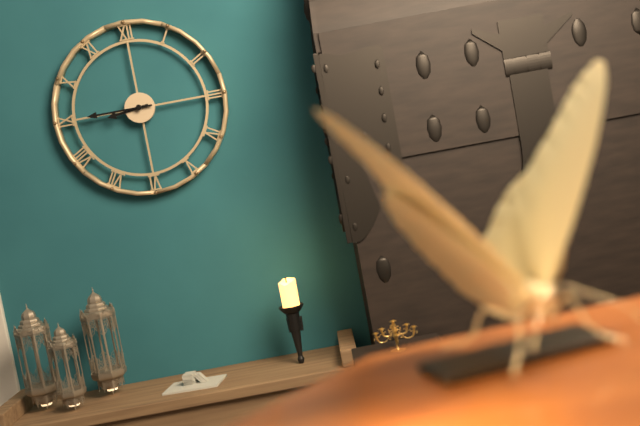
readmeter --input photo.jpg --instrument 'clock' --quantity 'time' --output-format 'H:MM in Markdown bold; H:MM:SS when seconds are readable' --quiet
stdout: **8:45**
